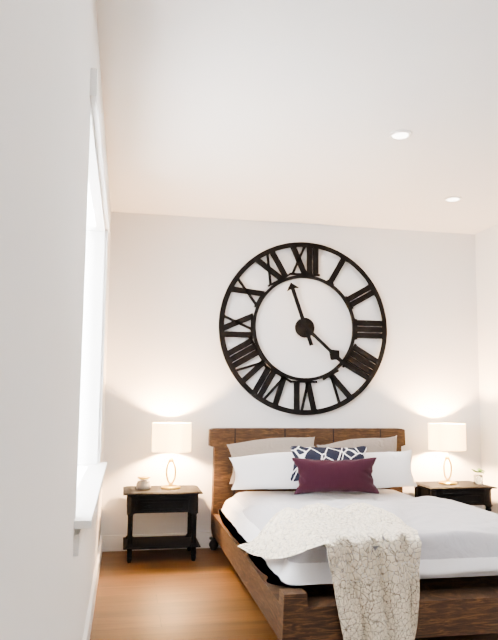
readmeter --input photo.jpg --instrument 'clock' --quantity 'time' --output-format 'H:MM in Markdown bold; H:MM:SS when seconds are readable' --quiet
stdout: **11:22**
